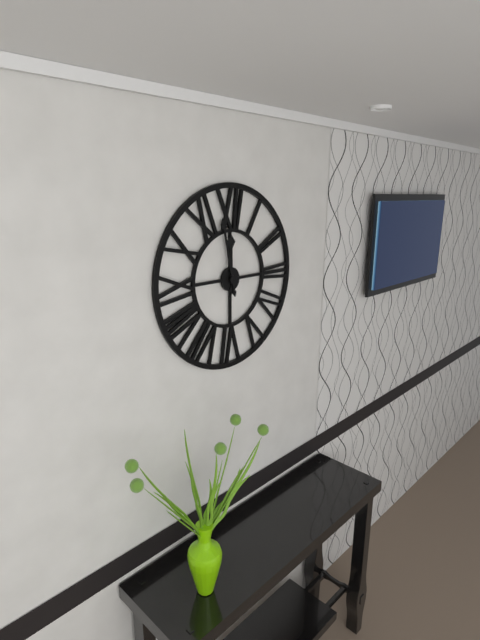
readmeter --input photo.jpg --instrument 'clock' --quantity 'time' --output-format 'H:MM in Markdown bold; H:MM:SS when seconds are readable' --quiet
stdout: **11:58**
